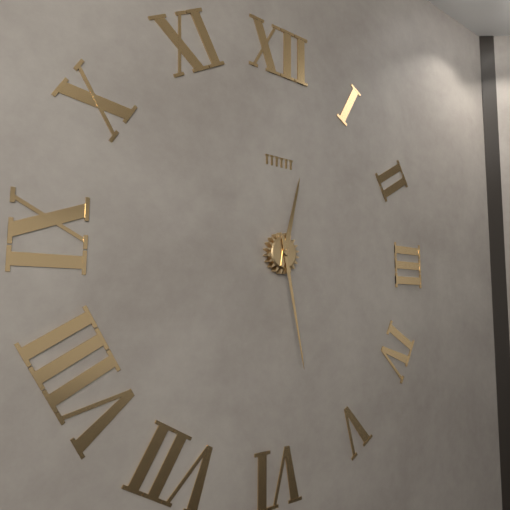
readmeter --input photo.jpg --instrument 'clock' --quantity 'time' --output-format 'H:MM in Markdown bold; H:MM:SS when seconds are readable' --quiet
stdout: **12:28**
